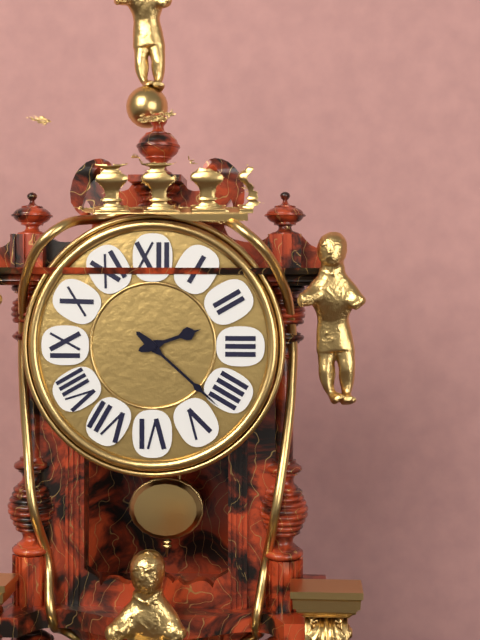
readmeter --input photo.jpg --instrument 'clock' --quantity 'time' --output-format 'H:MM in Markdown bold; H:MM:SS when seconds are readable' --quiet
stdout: **2:22**
